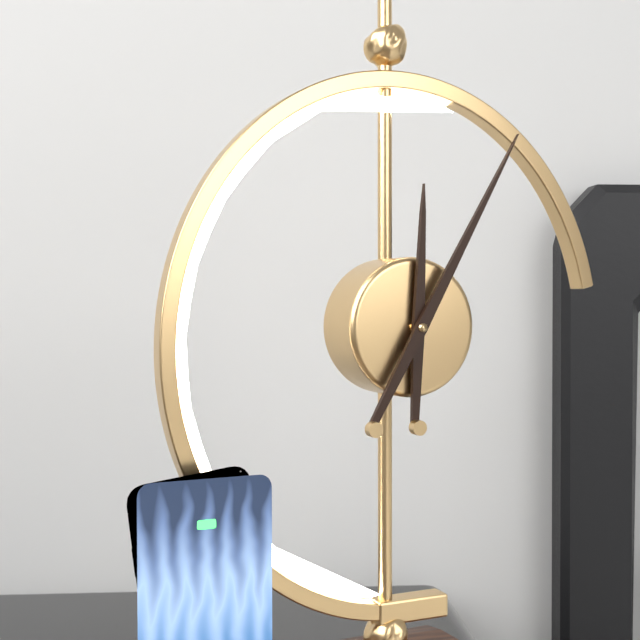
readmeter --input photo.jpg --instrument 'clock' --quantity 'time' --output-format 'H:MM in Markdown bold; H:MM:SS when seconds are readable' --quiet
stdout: **12:05**
